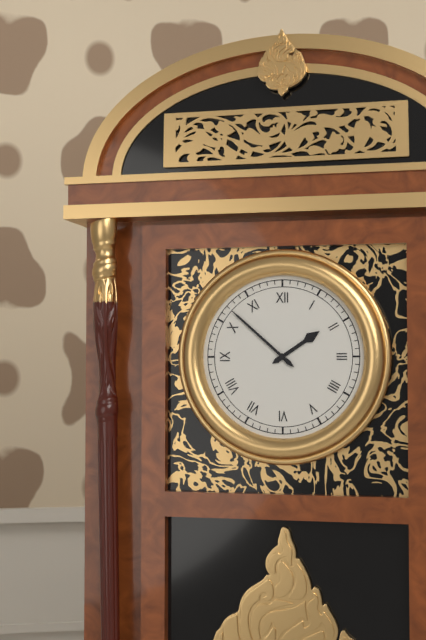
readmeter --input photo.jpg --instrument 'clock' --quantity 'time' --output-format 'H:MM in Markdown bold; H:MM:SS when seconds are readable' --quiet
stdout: **1:52**
